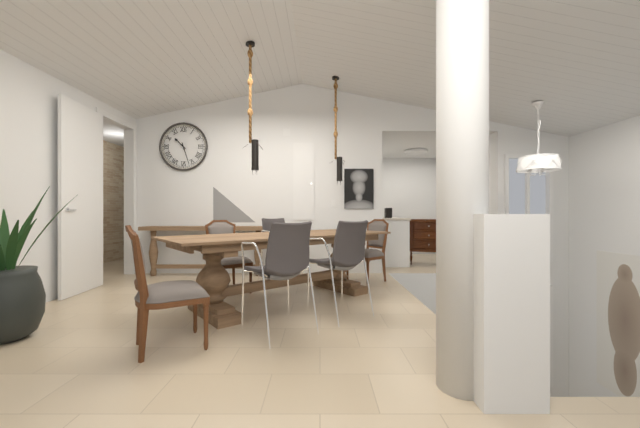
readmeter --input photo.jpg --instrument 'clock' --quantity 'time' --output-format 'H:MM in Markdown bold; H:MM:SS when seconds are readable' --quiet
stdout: **10:27**
